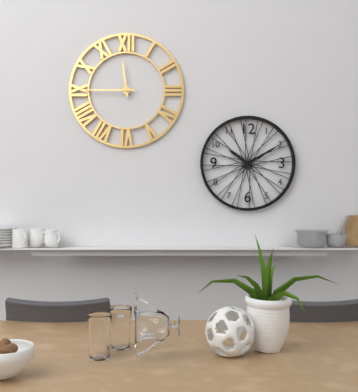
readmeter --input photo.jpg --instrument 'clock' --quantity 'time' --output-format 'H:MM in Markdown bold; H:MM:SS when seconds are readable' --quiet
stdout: **11:45**
